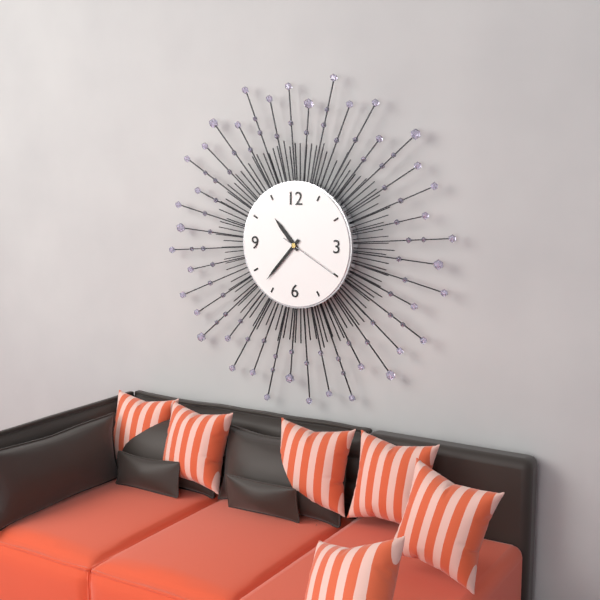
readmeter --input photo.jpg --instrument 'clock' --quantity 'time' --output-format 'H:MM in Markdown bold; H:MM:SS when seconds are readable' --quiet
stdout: **10:37:20**
